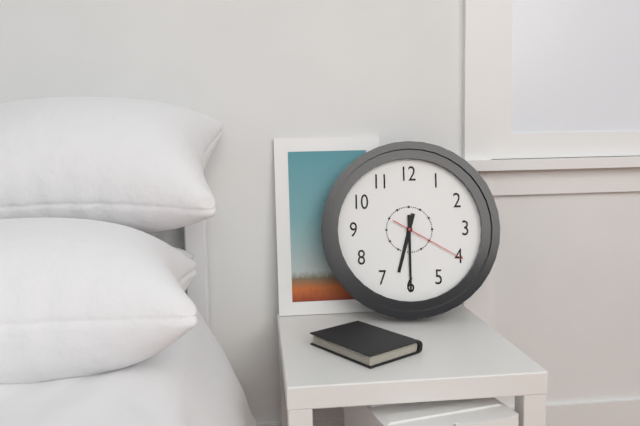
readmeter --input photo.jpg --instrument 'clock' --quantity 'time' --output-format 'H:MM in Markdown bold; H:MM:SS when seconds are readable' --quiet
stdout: **6:30:20**
